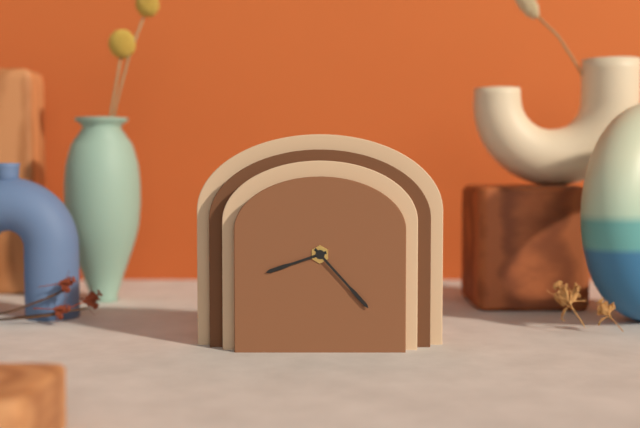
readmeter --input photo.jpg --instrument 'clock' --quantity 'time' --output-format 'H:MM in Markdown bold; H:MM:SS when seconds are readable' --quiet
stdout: **8:23**
